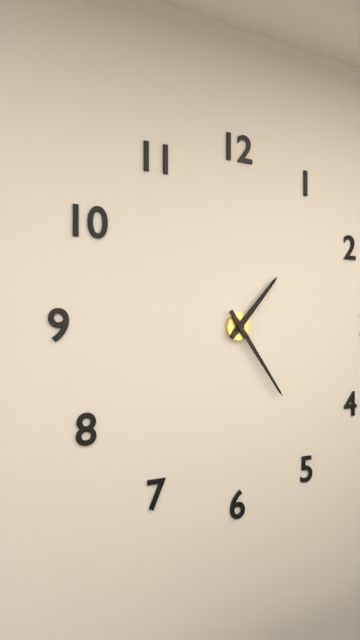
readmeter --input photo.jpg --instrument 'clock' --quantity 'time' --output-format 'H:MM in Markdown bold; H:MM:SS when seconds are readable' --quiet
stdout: **1:24**
